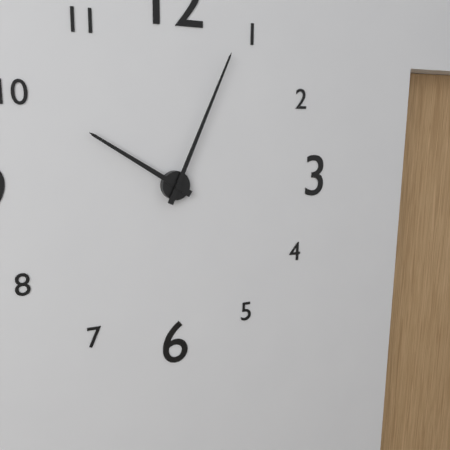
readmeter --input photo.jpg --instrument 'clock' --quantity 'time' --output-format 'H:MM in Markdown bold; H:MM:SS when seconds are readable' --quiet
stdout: **10:04**
